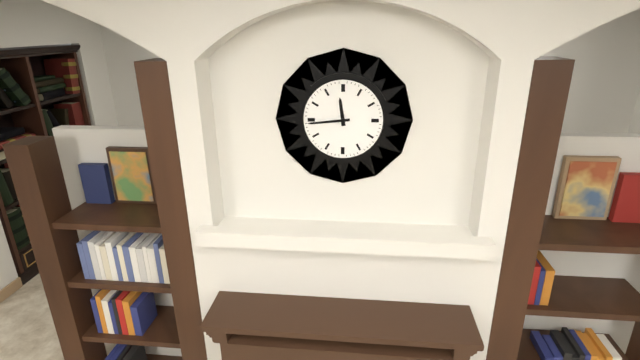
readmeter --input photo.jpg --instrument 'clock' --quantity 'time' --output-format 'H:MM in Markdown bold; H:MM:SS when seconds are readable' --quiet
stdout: **11:44**
